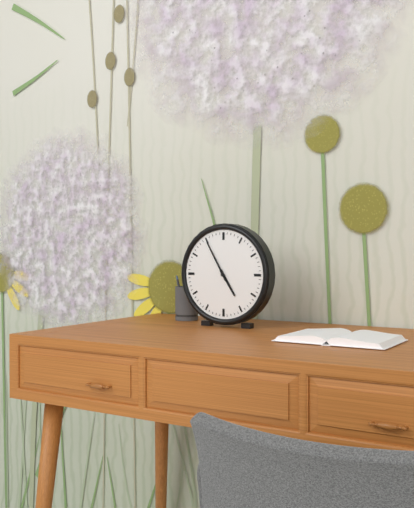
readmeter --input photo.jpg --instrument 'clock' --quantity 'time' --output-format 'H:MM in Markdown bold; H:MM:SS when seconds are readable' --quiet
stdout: **4:55**
